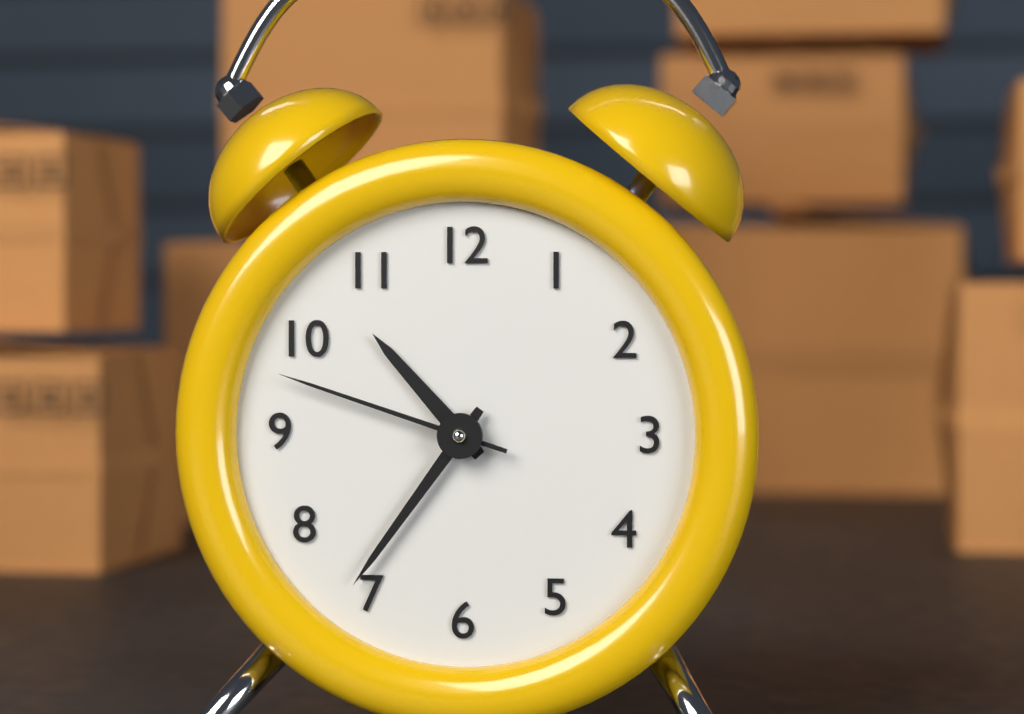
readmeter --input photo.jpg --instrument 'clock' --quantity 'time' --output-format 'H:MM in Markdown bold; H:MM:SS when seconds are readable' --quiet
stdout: **10:36:48**
